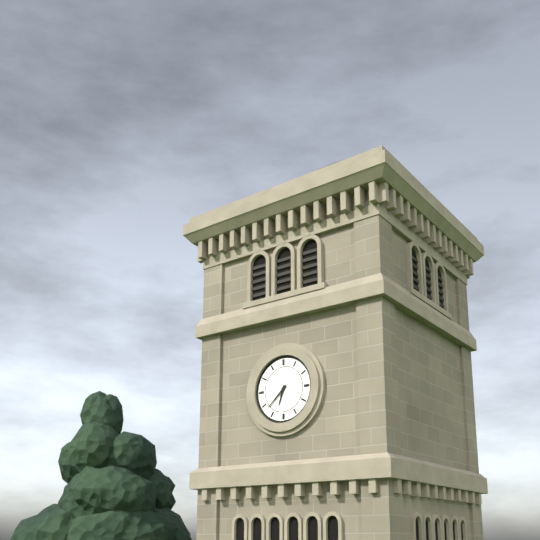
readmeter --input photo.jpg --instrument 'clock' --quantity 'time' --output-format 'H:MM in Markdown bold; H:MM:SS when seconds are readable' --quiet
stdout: **6:38**
